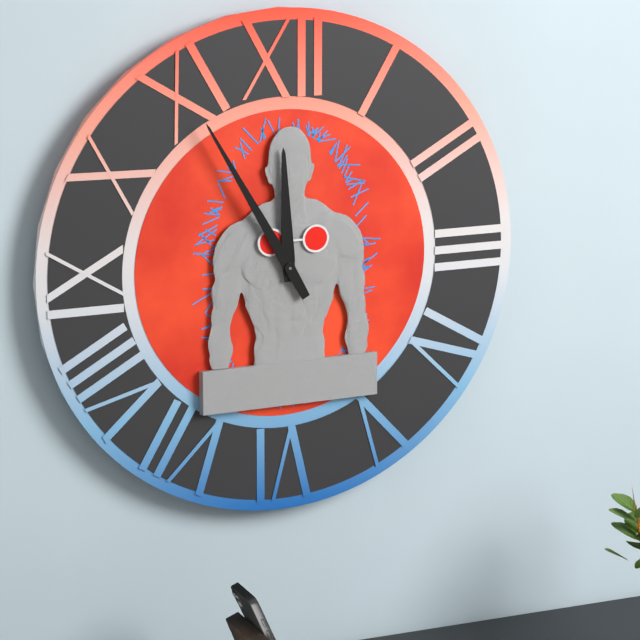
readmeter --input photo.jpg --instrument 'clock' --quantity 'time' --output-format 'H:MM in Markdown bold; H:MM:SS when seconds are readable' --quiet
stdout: **11:55**
